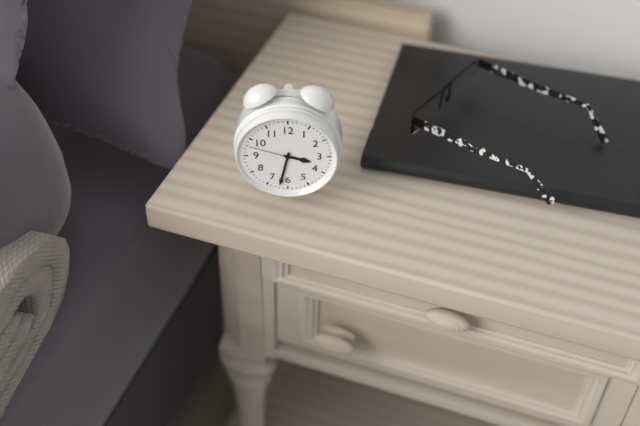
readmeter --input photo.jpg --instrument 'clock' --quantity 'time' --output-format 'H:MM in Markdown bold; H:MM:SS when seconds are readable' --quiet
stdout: **3:32:48**
